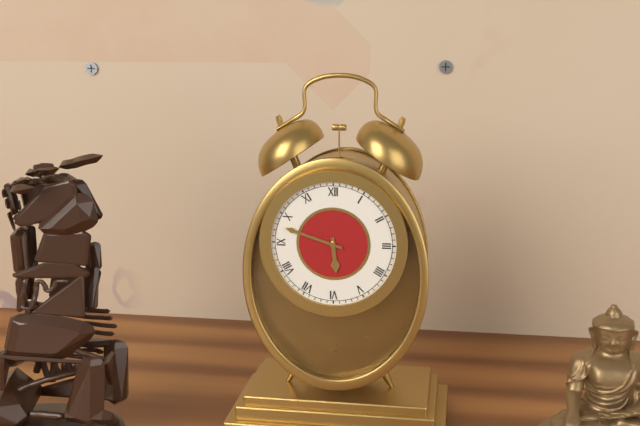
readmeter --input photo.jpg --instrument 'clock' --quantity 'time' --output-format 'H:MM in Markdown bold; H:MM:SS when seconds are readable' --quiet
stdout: **5:48**
